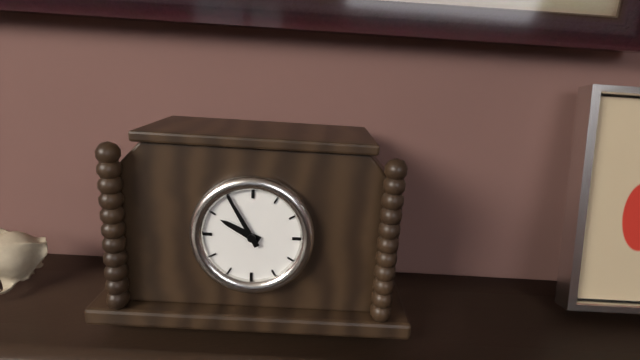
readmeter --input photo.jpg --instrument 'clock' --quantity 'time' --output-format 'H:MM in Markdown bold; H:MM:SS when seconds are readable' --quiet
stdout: **9:55**
